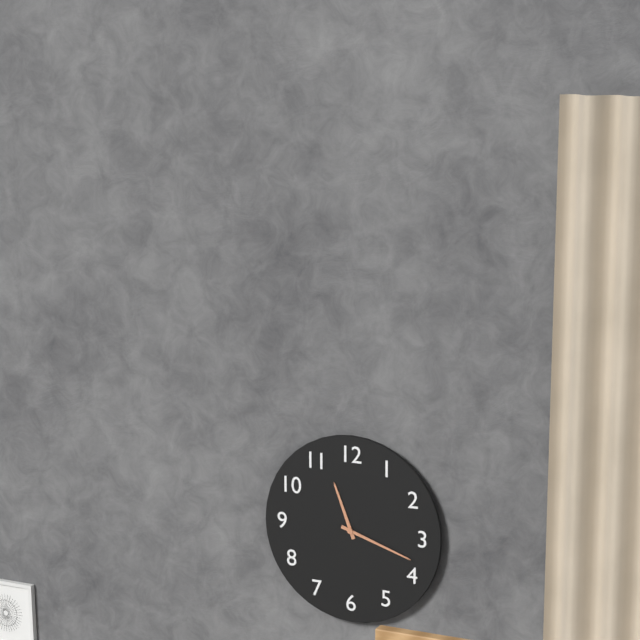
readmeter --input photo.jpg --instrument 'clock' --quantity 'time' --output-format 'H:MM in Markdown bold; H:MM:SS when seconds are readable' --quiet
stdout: **11:18**
